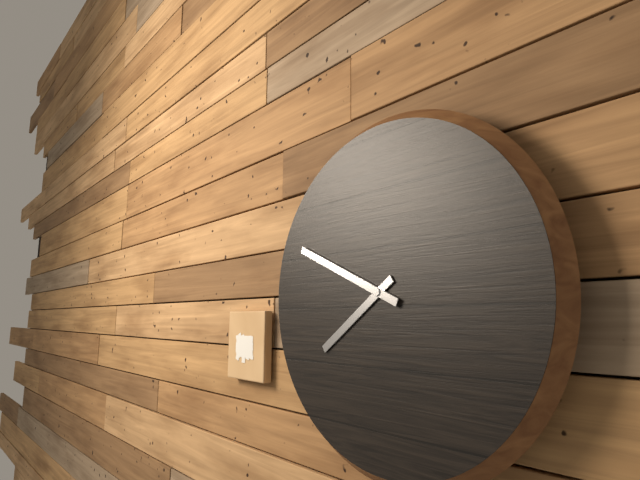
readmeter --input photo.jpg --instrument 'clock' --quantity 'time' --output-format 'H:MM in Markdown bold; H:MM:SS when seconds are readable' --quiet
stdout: **7:49**
